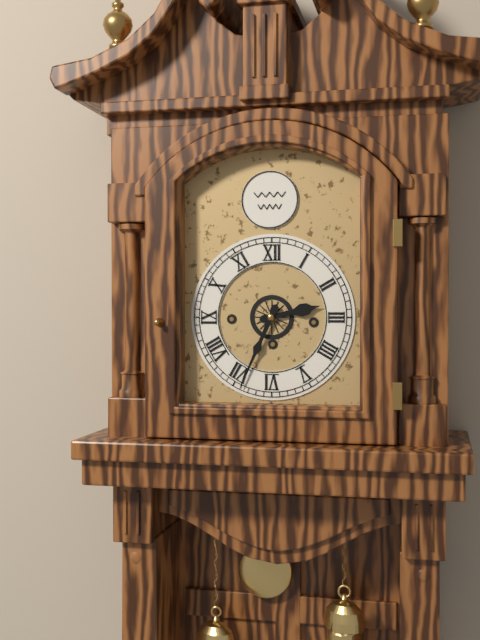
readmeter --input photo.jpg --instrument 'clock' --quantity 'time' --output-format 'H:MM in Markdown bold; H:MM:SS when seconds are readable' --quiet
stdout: **2:34**
